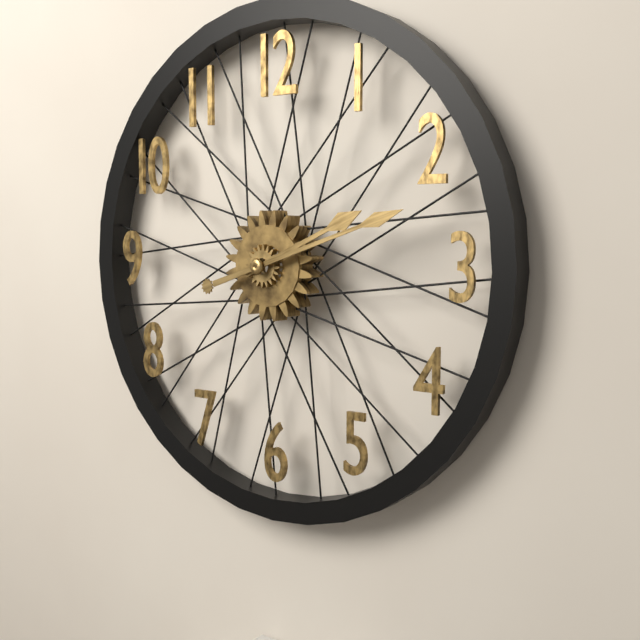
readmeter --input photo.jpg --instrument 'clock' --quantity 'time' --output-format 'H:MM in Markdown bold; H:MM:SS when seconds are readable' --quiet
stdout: **2:12**
